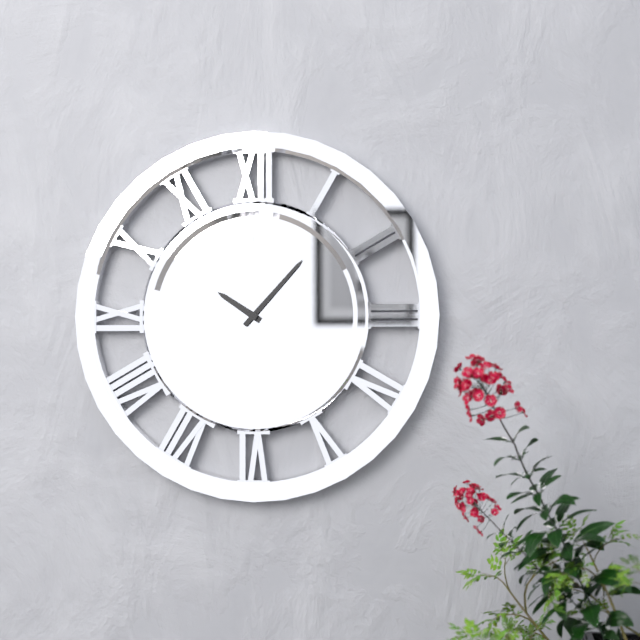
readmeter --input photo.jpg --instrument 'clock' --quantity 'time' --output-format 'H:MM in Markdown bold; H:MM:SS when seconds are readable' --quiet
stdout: **10:07**
